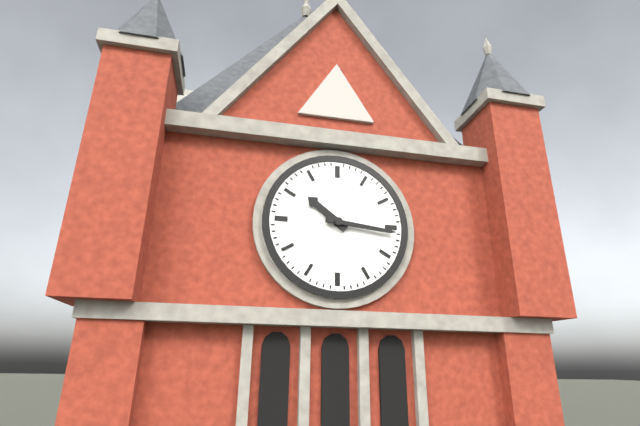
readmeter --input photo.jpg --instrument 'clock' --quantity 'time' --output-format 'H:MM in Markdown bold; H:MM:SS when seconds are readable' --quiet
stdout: **10:16**
